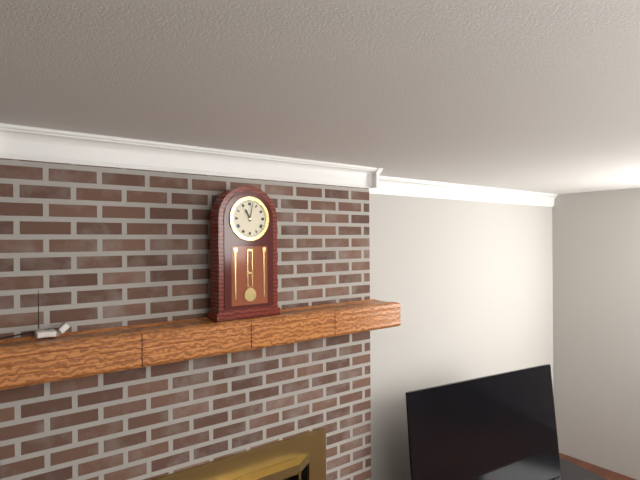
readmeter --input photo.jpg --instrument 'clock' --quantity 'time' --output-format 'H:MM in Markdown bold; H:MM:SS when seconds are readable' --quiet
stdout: **11:02**
